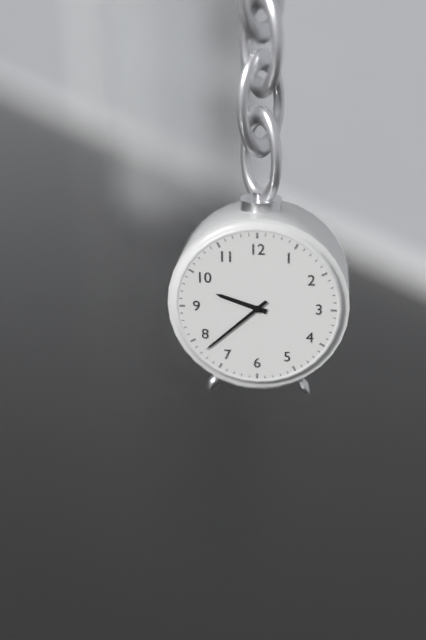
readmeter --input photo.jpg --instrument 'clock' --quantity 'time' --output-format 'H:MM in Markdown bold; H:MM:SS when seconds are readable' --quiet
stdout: **9:38**
